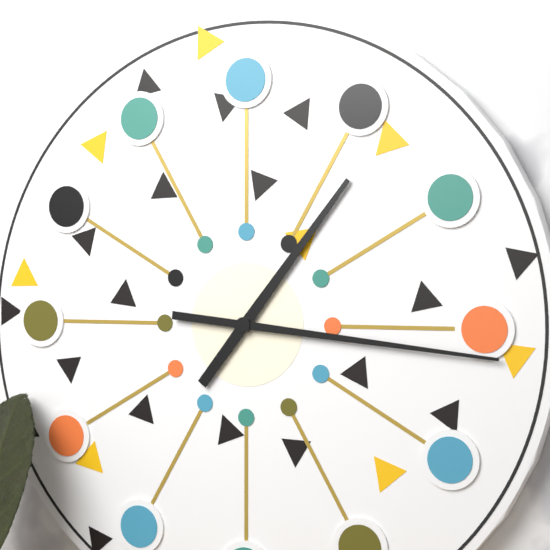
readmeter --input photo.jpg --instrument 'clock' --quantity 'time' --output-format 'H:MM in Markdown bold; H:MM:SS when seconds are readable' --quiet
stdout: **1:16**
